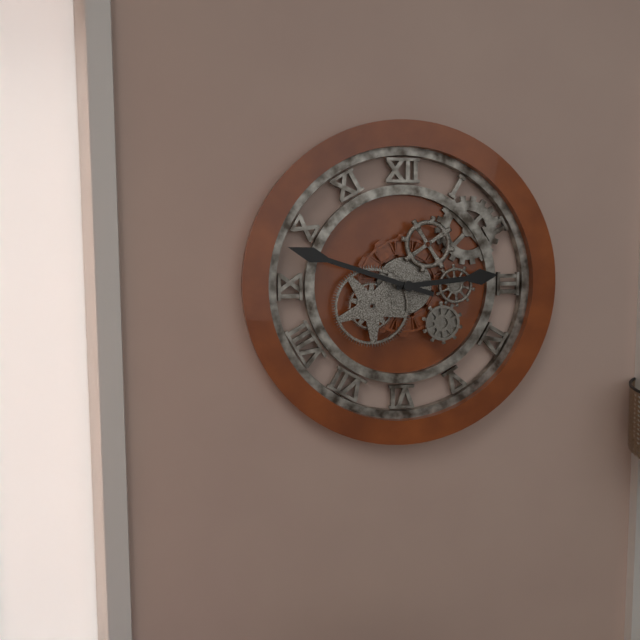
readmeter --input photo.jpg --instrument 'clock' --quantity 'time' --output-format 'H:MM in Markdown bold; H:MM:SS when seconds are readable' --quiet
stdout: **2:48**
